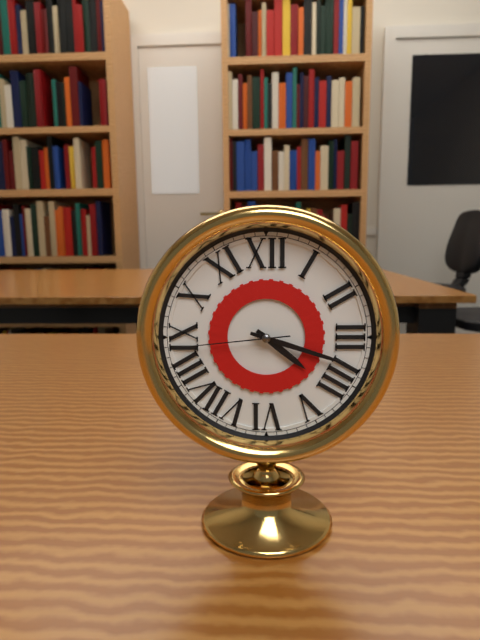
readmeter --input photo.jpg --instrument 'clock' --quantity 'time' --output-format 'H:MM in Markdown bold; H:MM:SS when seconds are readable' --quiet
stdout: **4:18:44**
